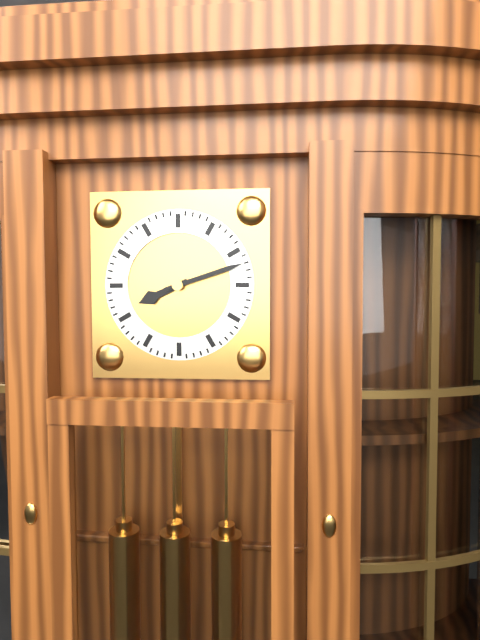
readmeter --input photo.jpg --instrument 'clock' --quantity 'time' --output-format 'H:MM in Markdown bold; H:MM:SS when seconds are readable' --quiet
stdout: **8:12**
